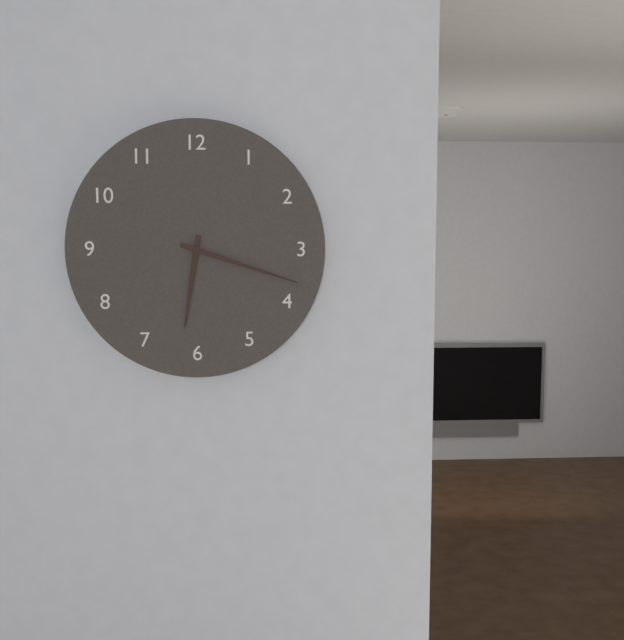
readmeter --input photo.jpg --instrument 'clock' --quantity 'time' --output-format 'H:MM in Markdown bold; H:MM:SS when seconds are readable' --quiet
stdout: **6:18**
